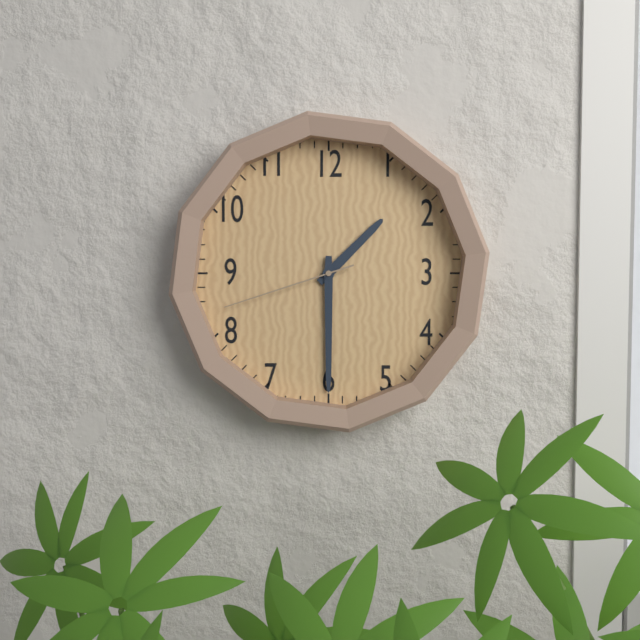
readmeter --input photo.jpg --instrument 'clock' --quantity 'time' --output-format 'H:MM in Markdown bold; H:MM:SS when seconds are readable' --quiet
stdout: **1:30:42**
